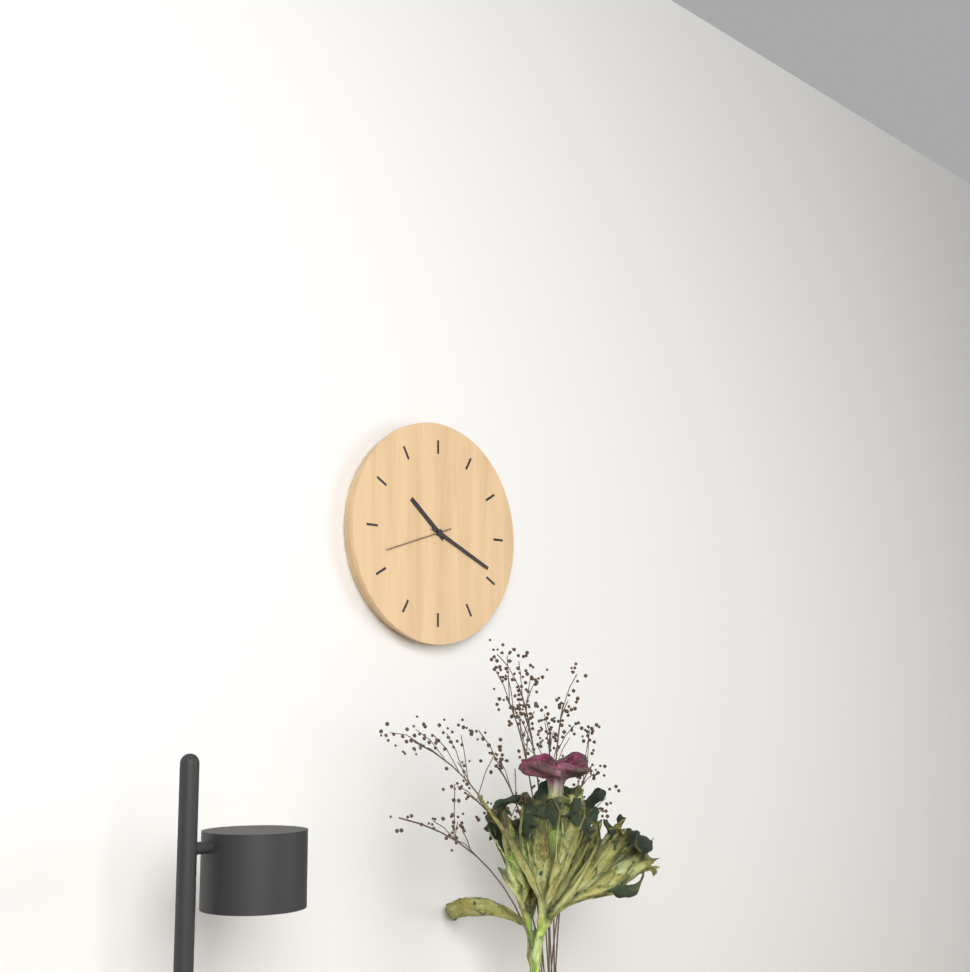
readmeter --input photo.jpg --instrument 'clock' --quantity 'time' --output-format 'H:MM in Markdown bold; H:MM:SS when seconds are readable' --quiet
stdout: **10:19:42**
